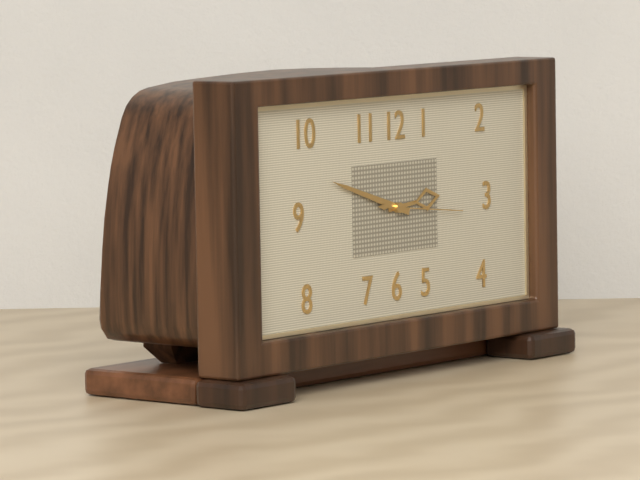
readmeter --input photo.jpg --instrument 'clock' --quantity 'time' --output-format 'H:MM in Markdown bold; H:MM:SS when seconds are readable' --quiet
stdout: **2:48:16**
